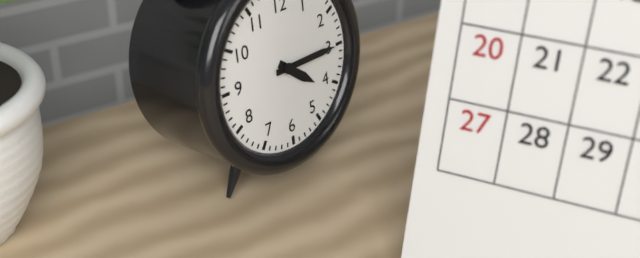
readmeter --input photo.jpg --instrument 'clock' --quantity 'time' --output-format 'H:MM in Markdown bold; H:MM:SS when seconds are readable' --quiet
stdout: **4:15**
